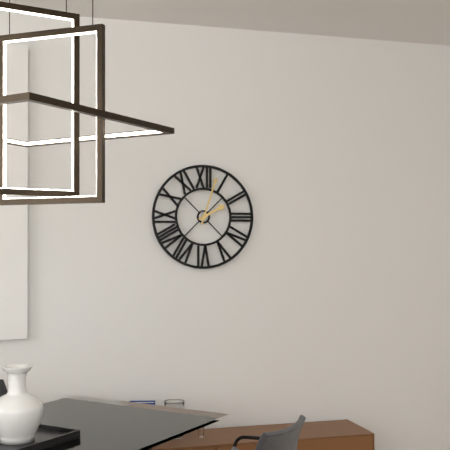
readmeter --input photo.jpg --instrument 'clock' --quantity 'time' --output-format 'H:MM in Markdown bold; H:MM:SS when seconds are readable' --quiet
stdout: **2:03**
